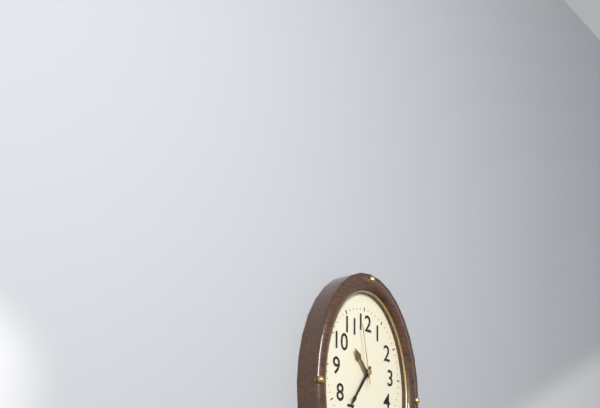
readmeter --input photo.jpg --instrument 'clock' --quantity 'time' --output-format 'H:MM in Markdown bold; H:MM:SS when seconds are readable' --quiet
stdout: **10:36:58**
